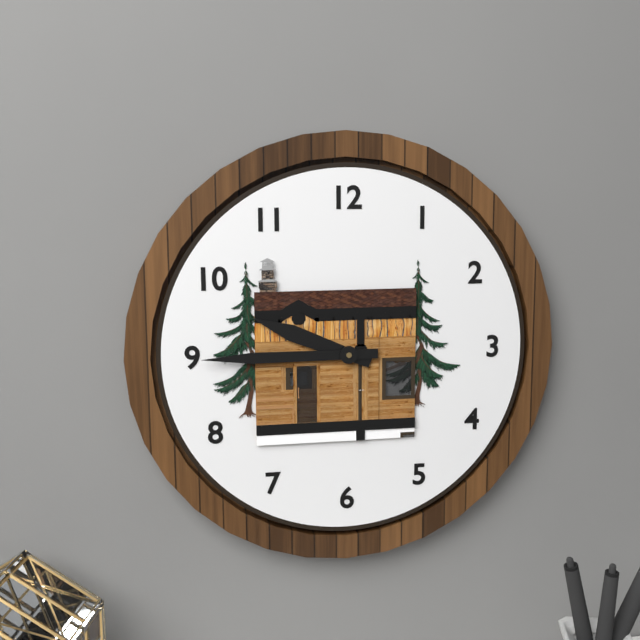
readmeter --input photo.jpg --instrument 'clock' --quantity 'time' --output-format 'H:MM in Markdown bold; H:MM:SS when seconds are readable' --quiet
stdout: **9:45**
